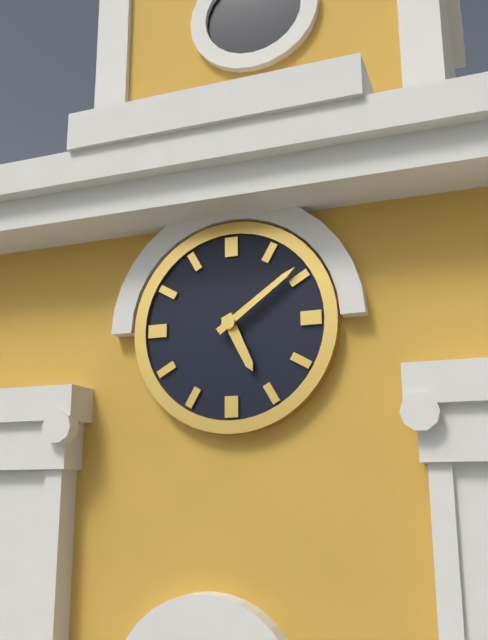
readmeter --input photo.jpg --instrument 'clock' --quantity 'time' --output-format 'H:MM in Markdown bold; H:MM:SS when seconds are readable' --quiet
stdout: **5:09**
